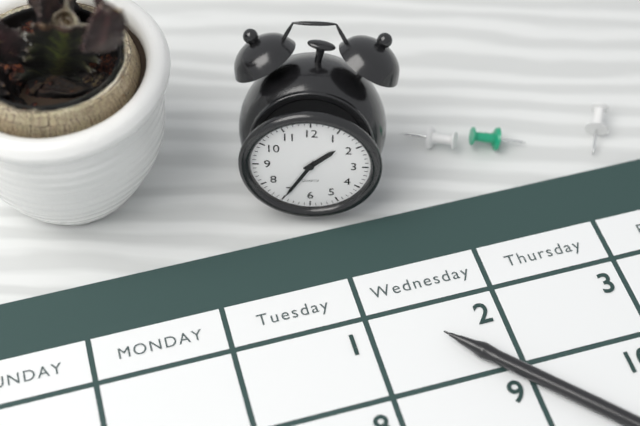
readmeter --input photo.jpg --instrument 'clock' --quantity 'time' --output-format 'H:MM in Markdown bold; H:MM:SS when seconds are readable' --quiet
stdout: **1:35**
